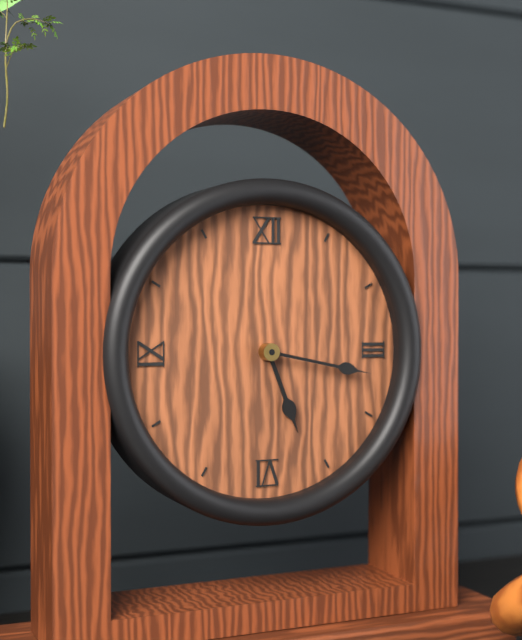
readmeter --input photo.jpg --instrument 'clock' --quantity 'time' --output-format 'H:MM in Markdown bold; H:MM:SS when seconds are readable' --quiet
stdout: **5:17**
